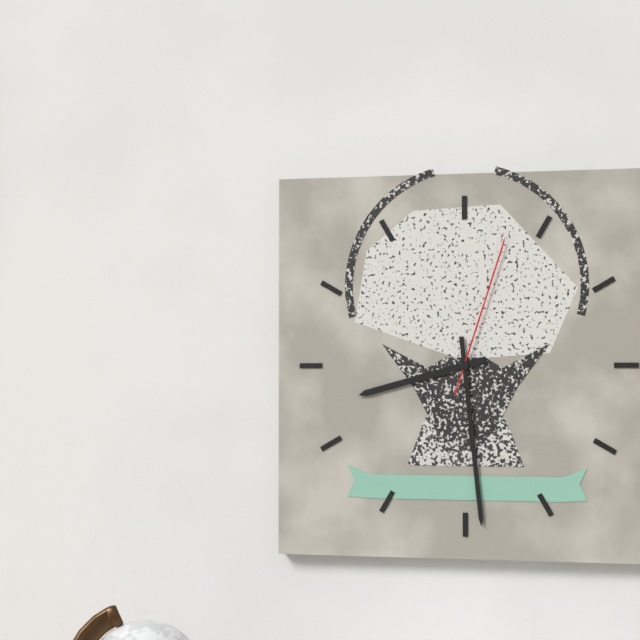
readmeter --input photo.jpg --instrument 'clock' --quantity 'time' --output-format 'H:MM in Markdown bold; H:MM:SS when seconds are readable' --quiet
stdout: **8:29:03**
